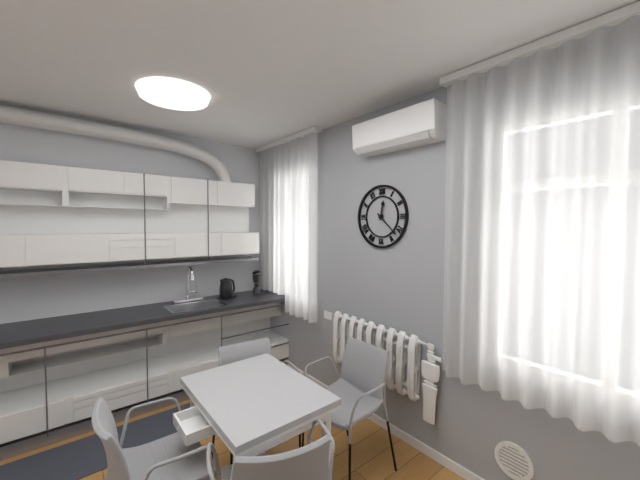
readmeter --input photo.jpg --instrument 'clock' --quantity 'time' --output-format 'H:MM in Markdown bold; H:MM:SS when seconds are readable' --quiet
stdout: **12:22**
